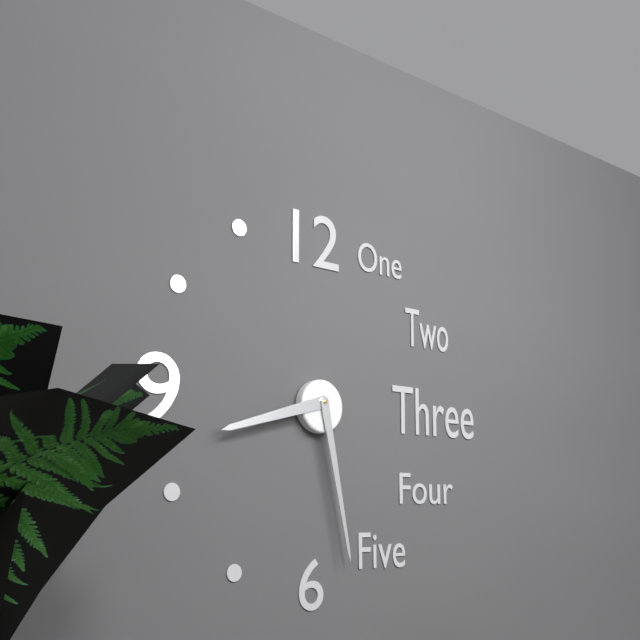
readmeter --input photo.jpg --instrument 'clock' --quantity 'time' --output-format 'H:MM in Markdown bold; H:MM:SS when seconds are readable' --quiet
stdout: **8:28**
